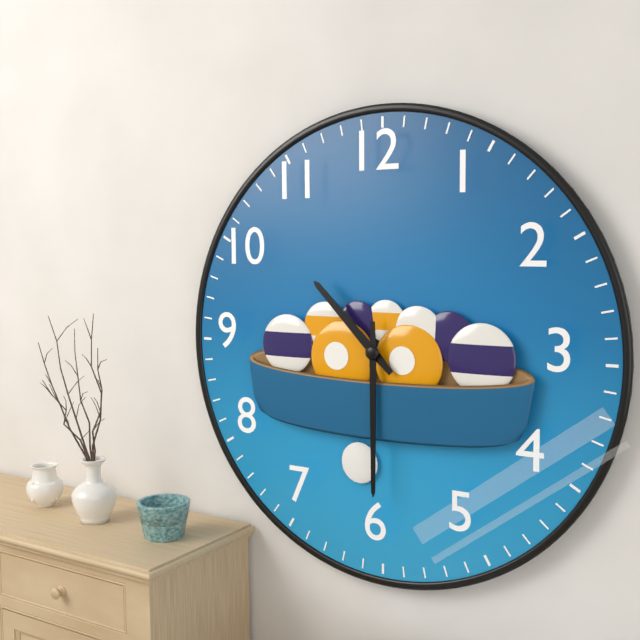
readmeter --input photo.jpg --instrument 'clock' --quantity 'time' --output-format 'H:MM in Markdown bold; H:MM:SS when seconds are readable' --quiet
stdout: **10:30**
